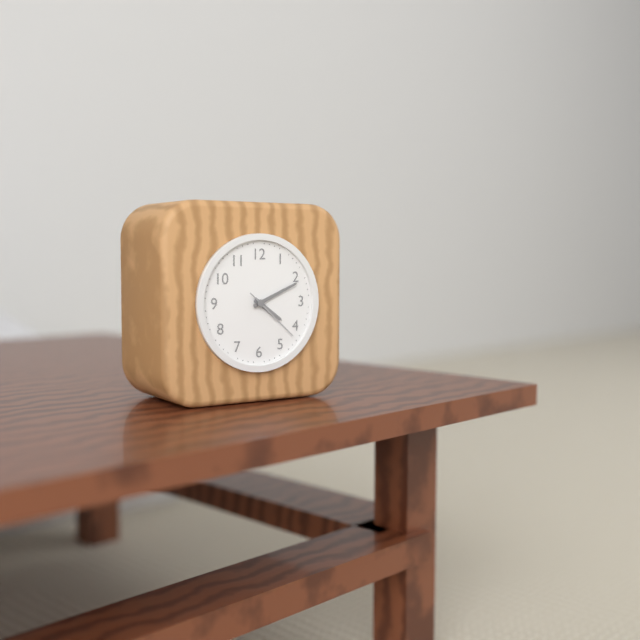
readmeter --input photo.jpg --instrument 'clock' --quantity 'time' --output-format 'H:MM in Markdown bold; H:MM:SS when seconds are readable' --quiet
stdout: **4:11:22**
